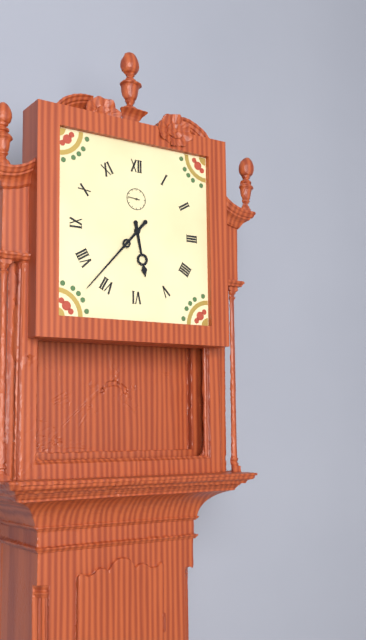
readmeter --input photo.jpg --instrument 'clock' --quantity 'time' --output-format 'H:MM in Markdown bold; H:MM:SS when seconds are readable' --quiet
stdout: **5:37**
